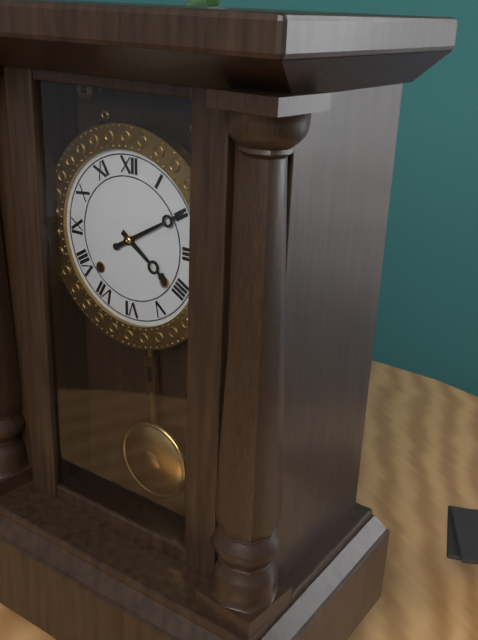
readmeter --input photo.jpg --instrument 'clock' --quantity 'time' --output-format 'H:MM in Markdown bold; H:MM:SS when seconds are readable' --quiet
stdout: **4:10**
